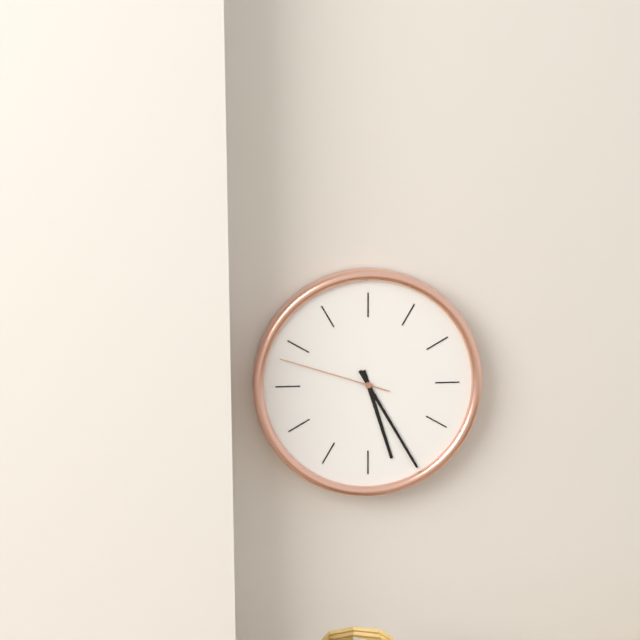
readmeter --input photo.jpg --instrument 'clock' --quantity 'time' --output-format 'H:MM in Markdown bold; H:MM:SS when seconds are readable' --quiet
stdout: **5:25:48**
